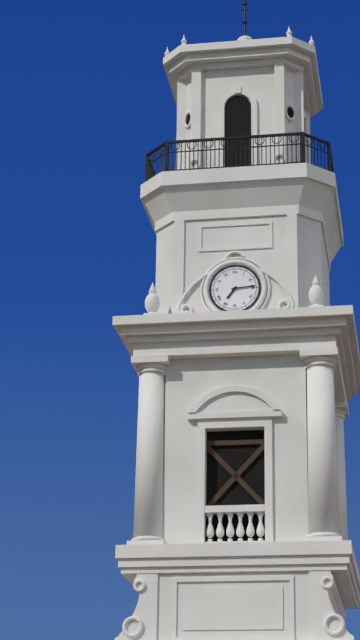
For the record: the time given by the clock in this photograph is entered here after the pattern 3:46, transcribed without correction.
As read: 7:14
